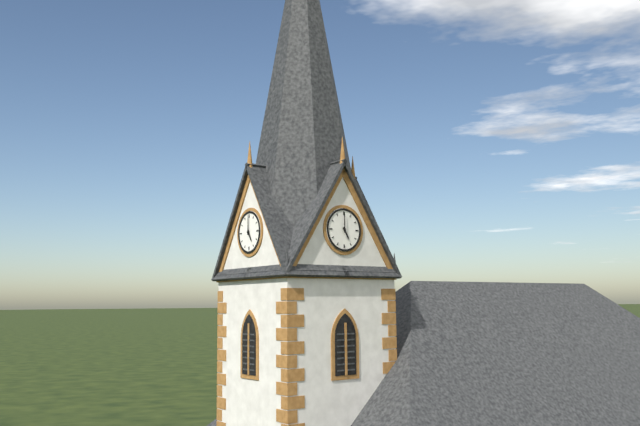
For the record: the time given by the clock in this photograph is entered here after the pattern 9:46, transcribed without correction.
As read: 5:00
